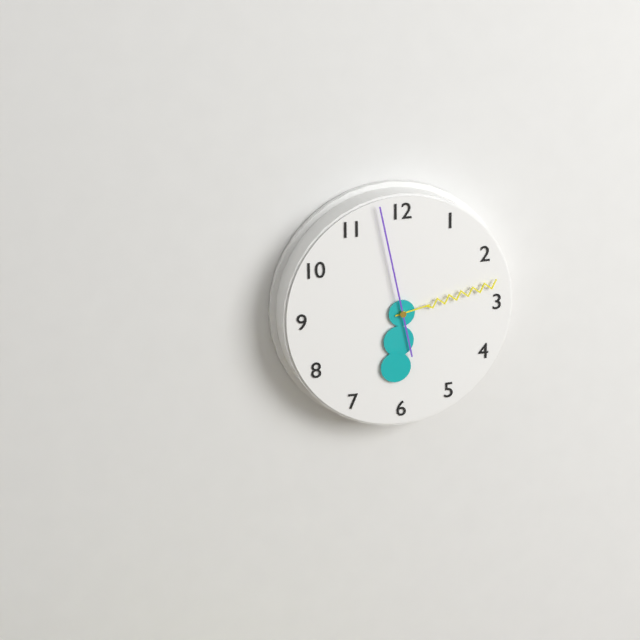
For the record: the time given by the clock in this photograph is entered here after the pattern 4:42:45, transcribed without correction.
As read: 6:13:58
